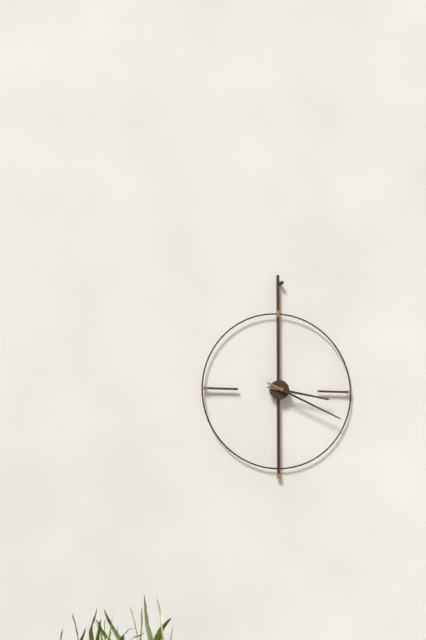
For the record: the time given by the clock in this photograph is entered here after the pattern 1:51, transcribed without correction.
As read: 3:19
